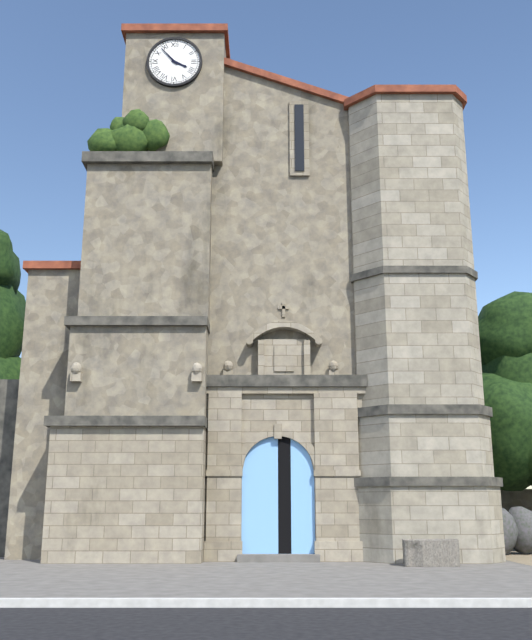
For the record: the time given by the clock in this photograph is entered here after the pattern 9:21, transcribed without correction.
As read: 3:53
